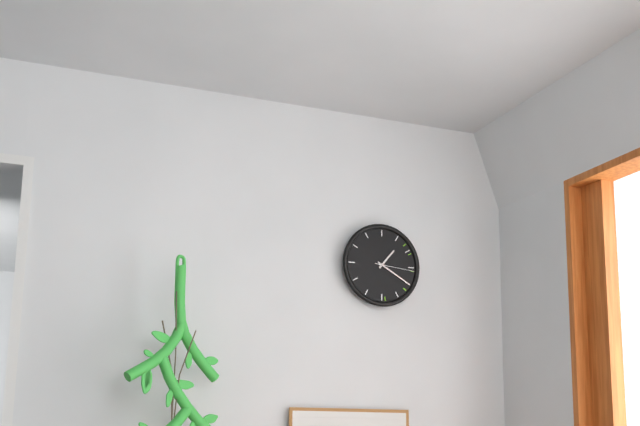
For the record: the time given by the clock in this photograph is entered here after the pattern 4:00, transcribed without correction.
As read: 1:20
